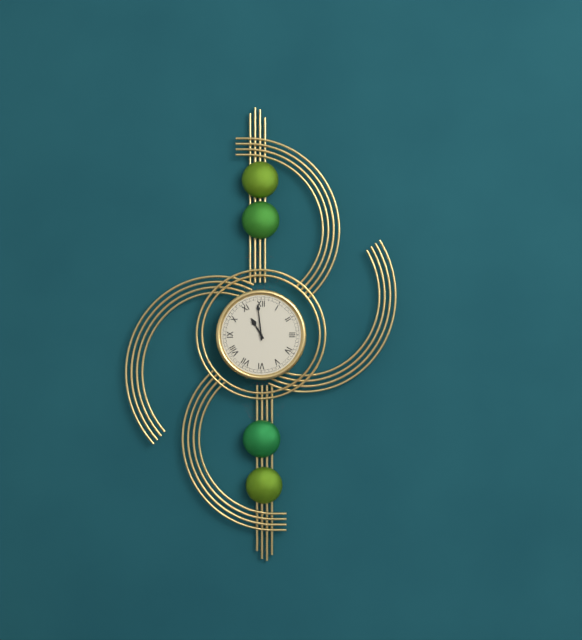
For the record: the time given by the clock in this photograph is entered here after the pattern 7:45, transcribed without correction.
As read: 10:59
